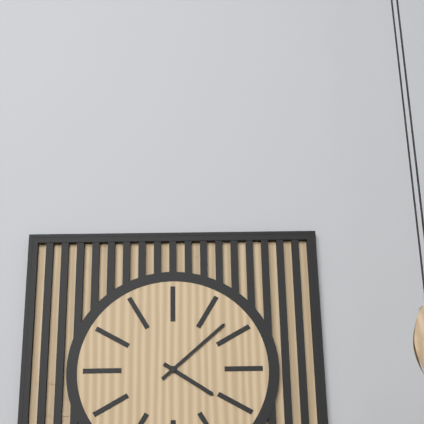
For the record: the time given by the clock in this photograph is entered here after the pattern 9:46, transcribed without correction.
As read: 4:08
